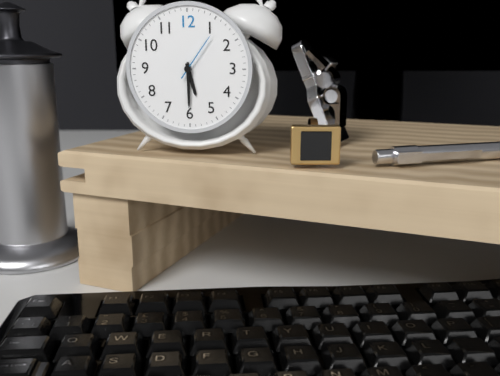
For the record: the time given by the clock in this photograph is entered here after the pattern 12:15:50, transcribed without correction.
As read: 5:30:06
